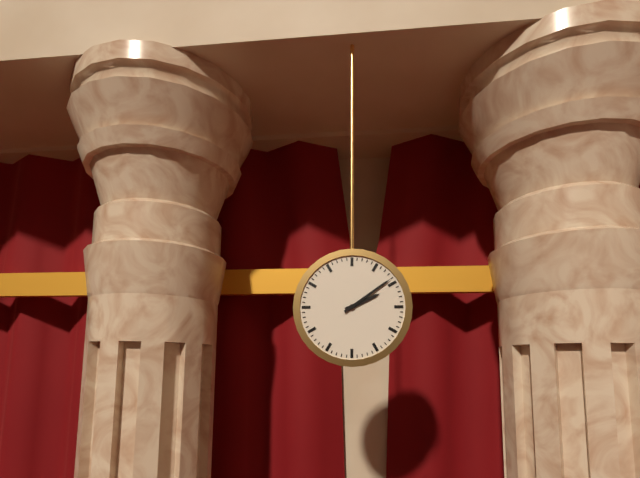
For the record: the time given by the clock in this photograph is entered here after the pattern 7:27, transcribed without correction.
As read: 2:09
